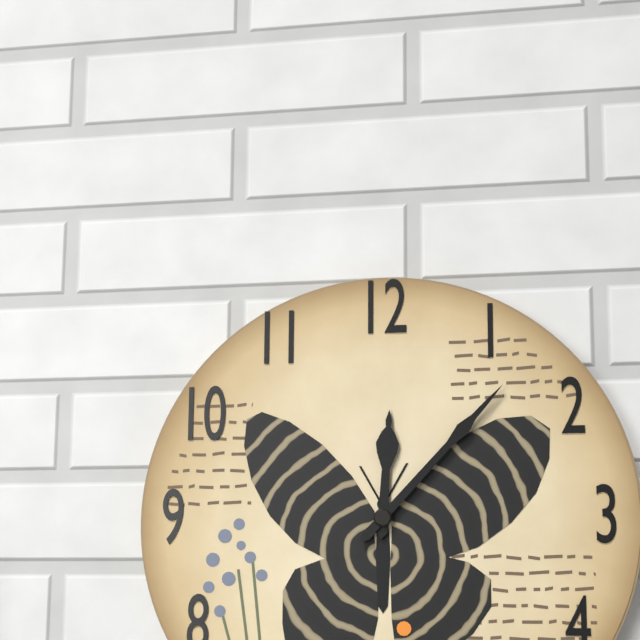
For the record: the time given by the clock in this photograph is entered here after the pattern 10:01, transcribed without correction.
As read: 12:07
